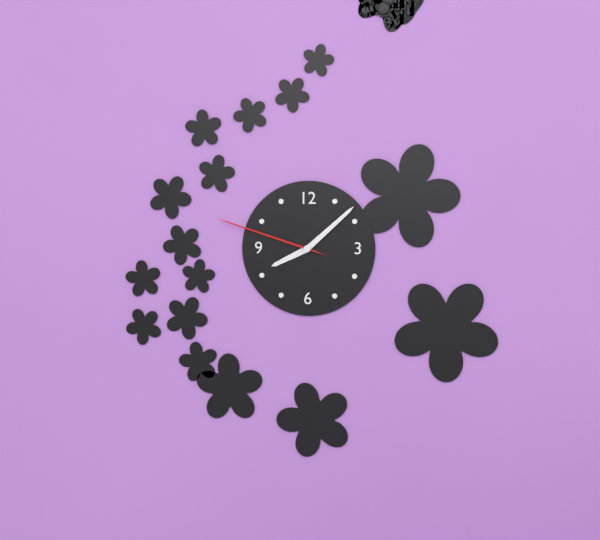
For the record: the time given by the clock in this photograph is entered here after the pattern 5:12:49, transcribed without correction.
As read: 8:08:48
